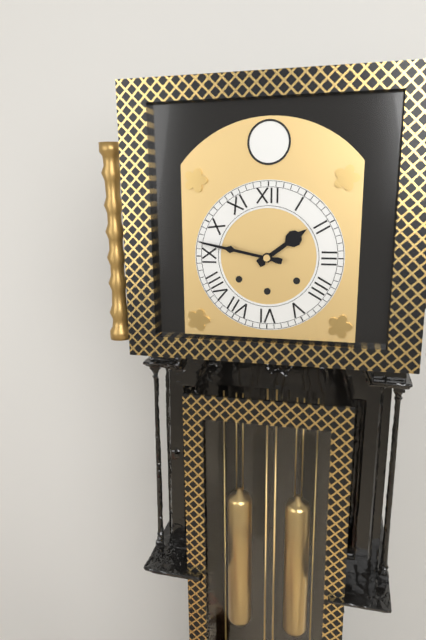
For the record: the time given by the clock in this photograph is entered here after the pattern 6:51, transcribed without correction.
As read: 1:47
